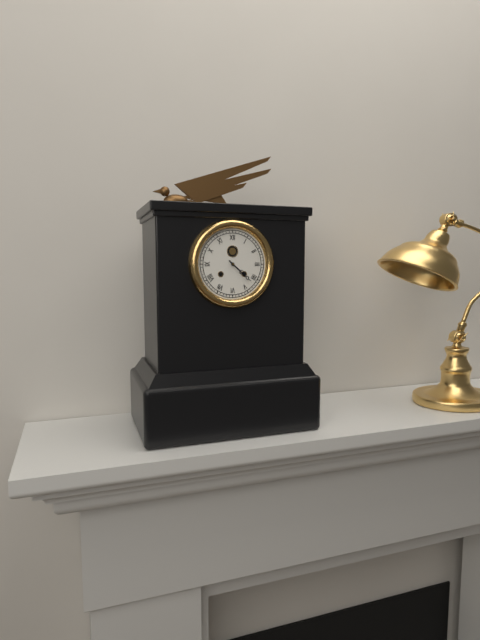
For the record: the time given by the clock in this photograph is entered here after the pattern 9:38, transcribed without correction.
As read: 4:22
